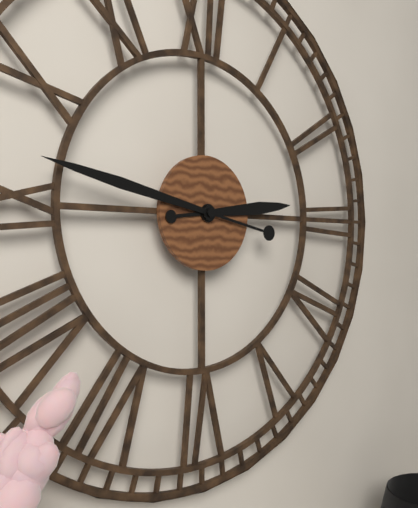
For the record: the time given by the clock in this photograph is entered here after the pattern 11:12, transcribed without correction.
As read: 2:47
